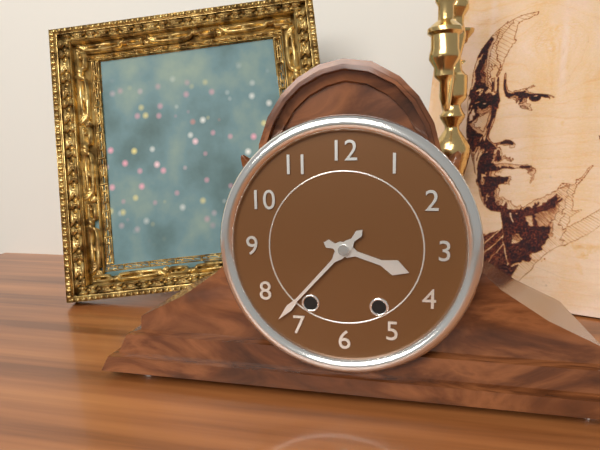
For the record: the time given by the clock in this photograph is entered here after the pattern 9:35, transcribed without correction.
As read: 3:37
